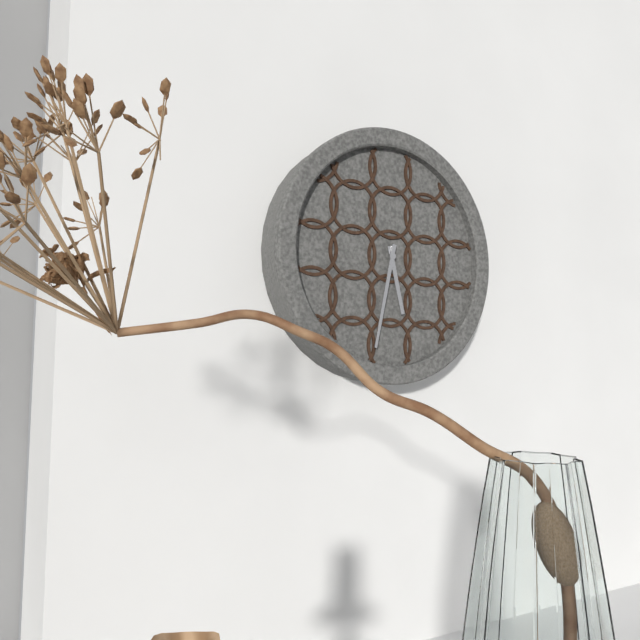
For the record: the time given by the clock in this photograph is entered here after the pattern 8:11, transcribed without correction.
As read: 5:32
